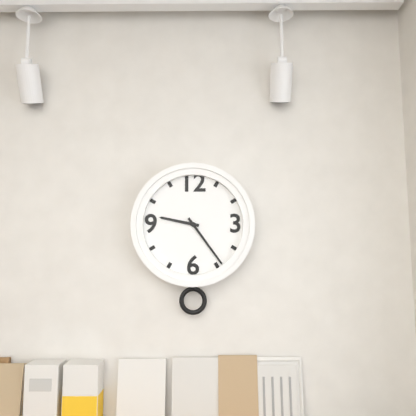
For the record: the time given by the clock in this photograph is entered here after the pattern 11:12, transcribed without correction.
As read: 9:24
